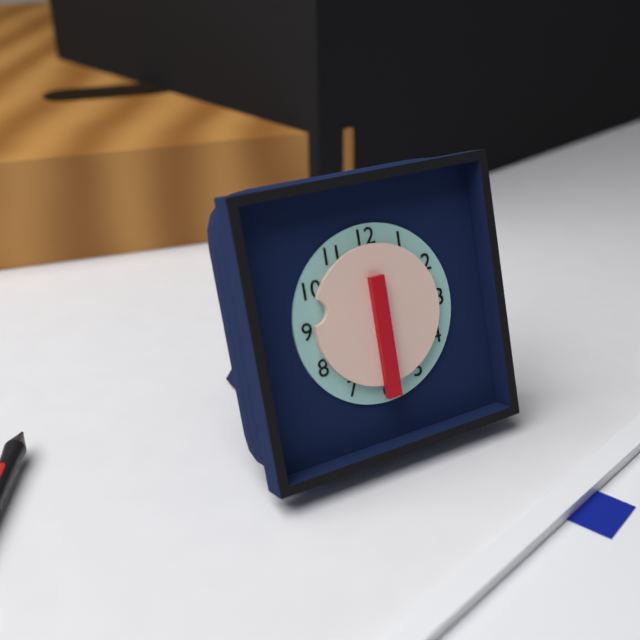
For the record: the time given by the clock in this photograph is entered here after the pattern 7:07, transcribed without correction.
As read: 9:30
